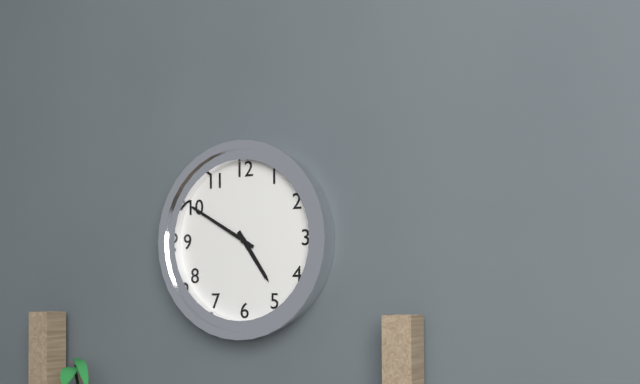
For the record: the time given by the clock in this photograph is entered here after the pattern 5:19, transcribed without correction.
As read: 4:50
